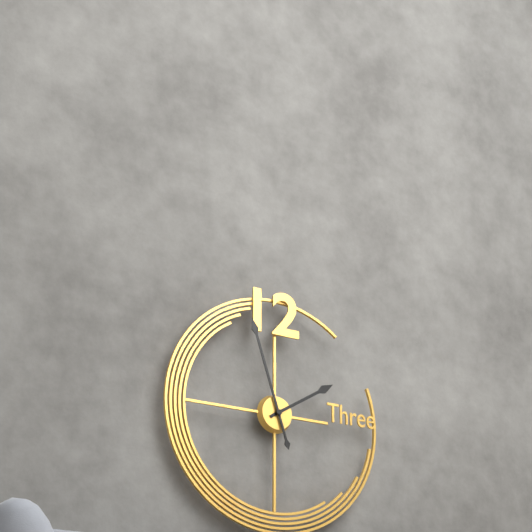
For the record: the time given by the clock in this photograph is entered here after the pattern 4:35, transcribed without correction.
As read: 1:57
